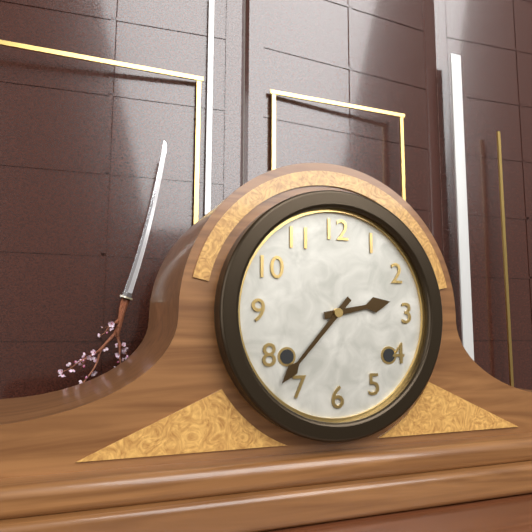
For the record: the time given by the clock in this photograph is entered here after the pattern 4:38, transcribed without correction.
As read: 2:37
